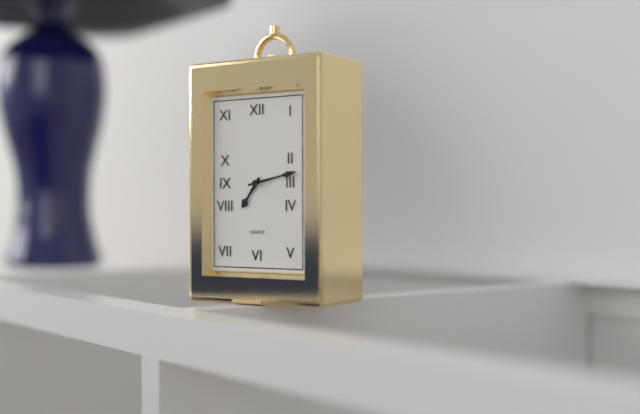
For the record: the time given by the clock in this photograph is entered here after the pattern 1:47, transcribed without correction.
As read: 7:13
